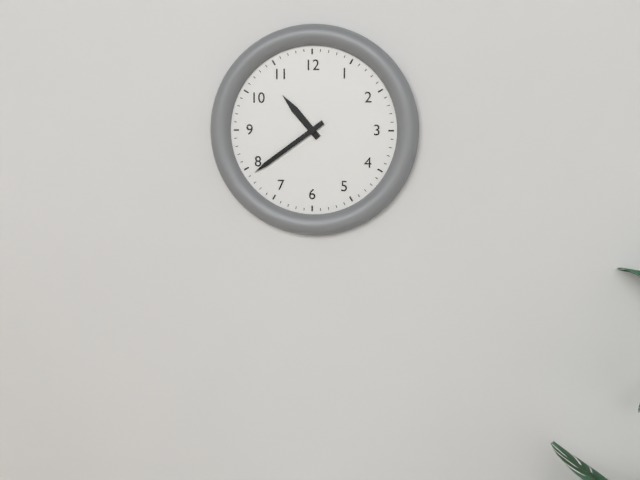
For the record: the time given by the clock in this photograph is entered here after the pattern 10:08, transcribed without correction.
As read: 10:39
